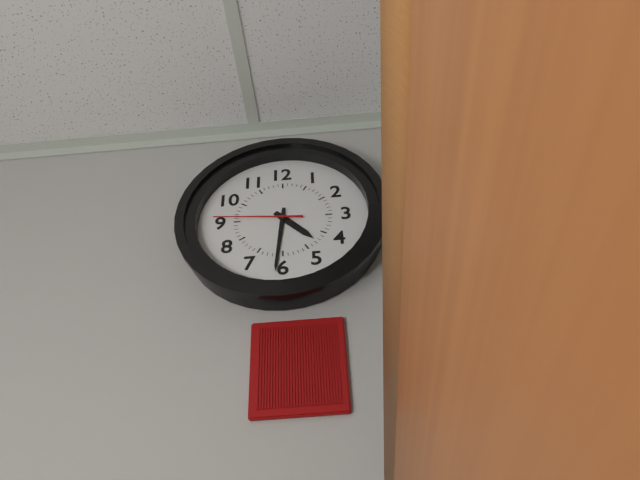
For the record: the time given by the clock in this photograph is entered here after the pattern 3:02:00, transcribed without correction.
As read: 4:31:46
